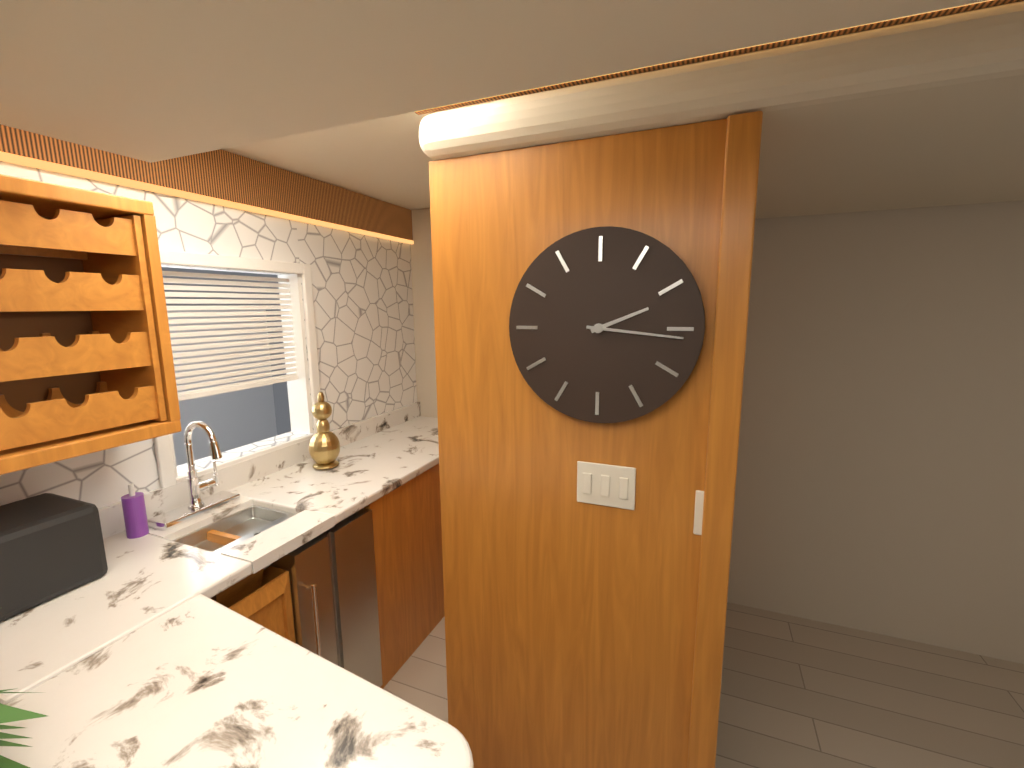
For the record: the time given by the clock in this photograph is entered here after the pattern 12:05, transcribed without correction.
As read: 2:16
